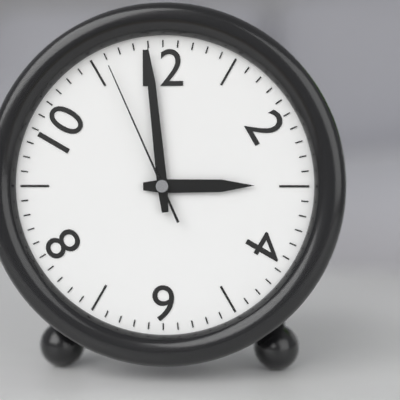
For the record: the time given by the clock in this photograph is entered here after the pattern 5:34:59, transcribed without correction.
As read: 2:59:56
